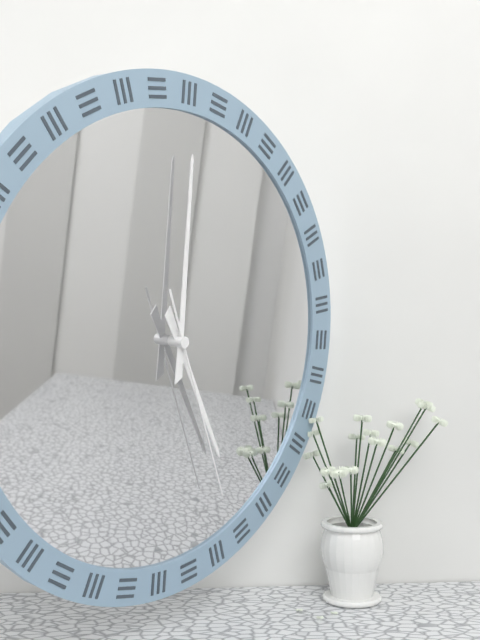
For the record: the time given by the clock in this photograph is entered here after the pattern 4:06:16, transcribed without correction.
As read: 5:00:26
